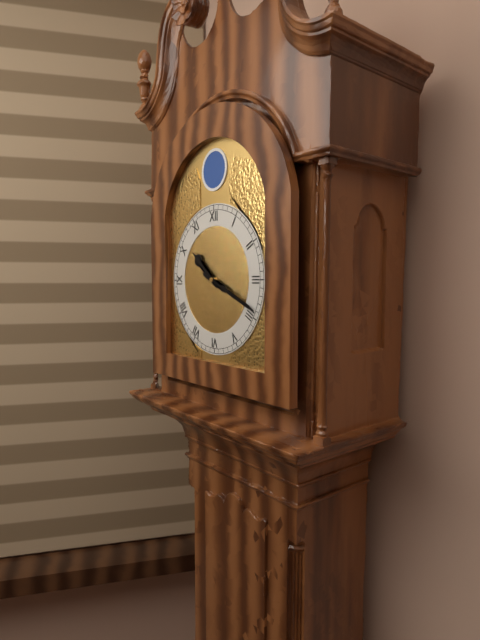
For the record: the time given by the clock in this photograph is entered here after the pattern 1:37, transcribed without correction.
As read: 10:19
